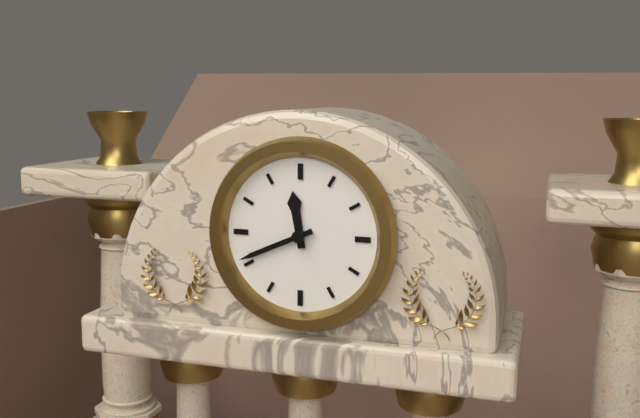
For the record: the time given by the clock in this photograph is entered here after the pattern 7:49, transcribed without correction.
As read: 11:41
